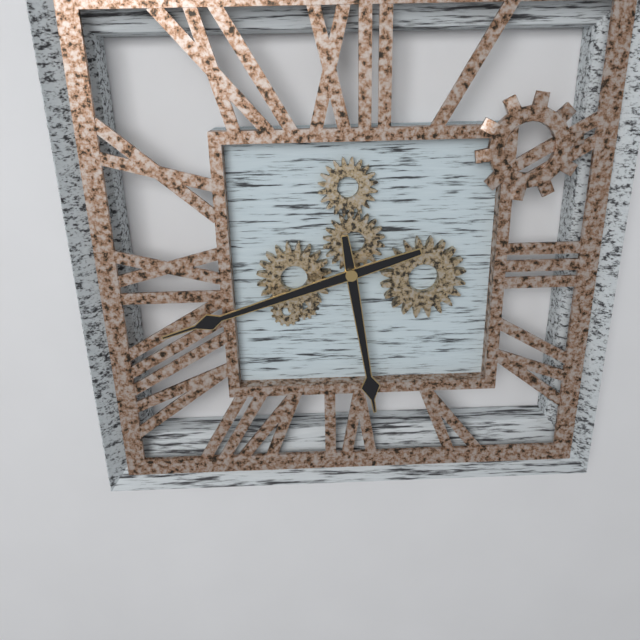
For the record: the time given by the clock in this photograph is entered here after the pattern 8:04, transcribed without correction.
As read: 5:42
